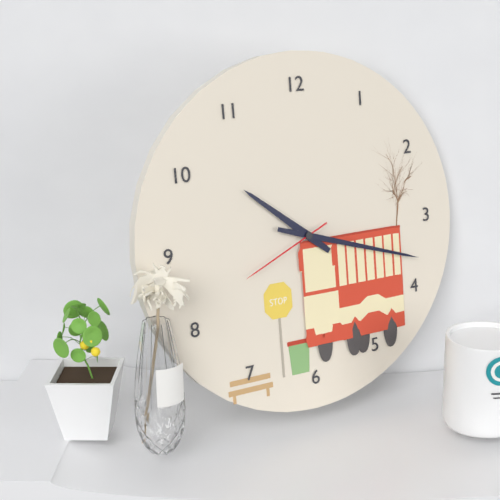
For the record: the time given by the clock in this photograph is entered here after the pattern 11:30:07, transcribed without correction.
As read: 10:18:41
